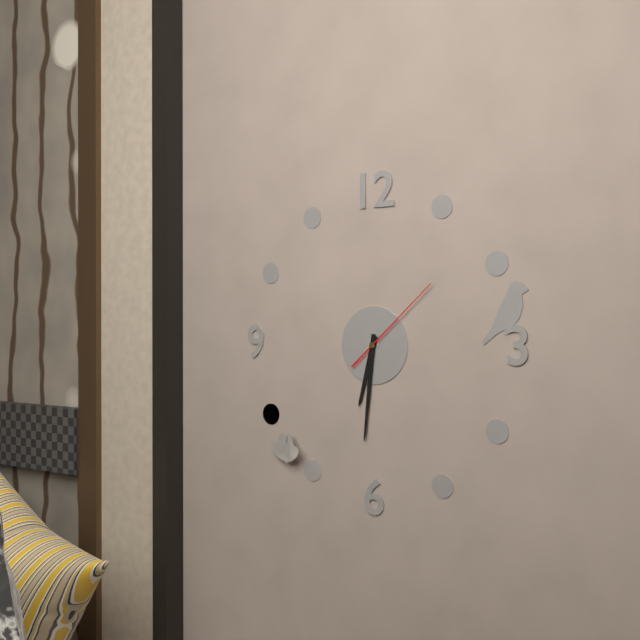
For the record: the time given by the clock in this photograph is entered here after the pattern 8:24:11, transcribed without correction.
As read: 6:31:08
